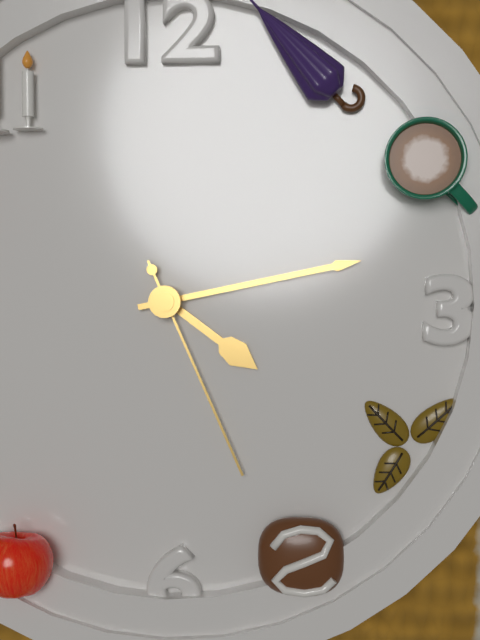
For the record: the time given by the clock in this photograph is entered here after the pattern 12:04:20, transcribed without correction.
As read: 4:13:26
